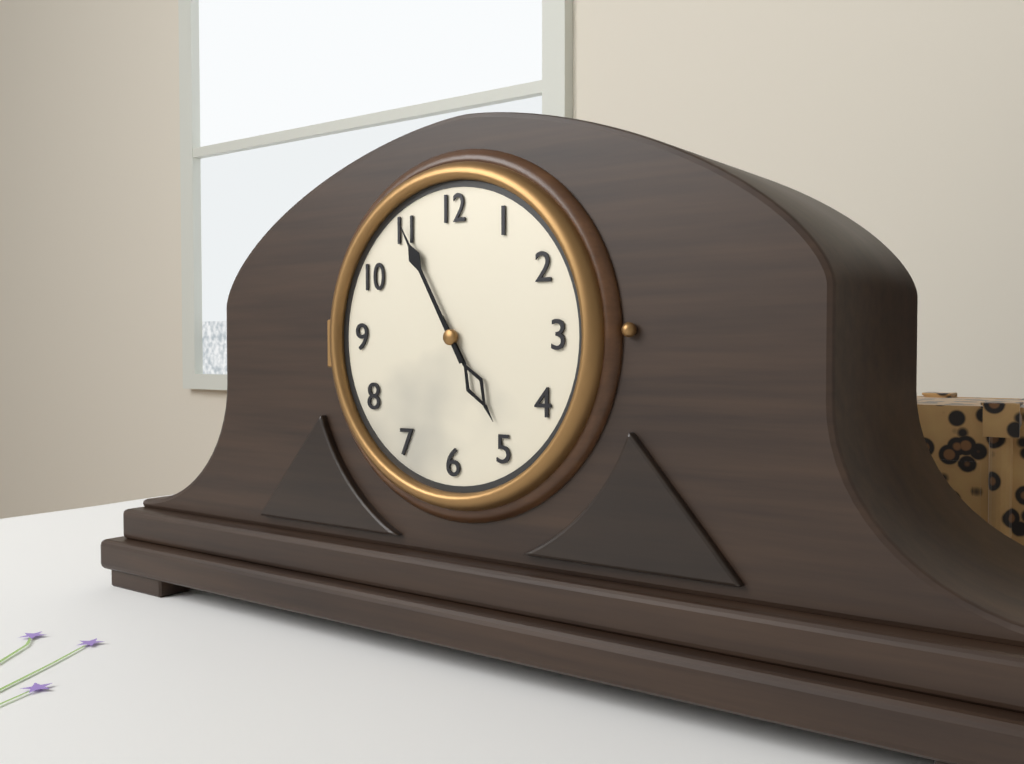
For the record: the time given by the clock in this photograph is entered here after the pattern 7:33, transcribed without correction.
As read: 4:55
